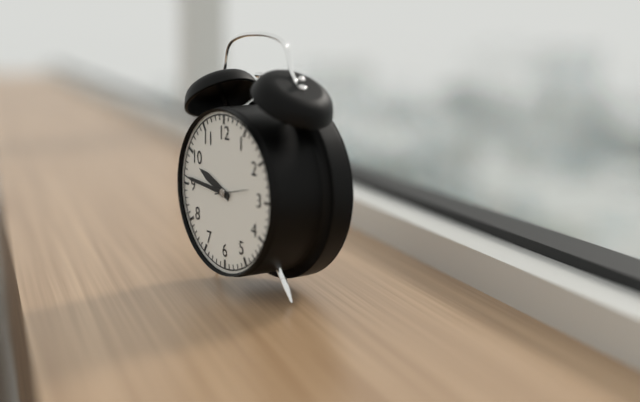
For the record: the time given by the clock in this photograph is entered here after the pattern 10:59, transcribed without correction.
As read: 9:46
